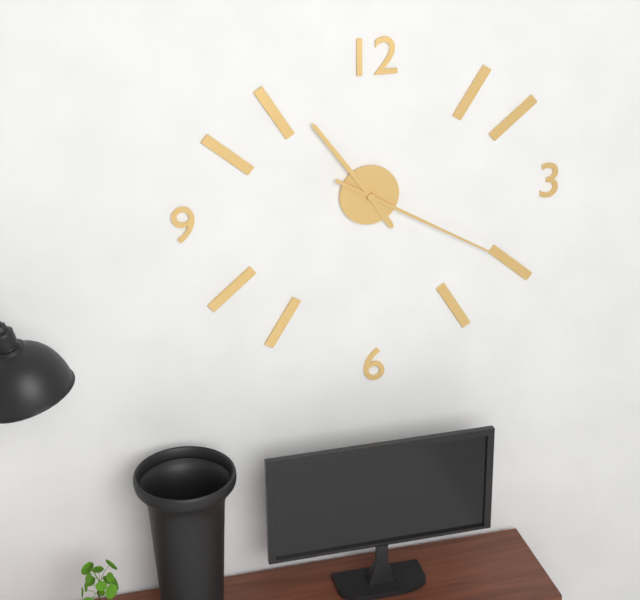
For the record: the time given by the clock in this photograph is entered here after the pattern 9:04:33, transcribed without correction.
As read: 4:54:20
